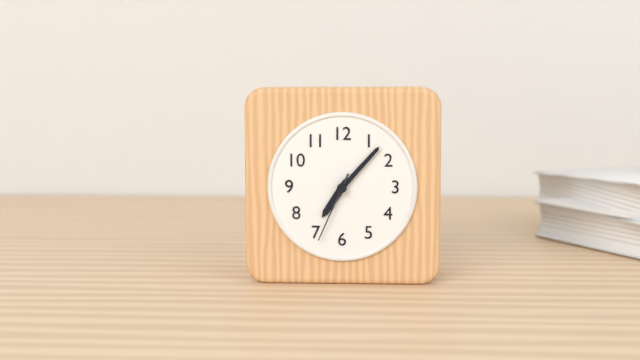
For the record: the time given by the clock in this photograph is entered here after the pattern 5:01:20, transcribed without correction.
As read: 7:07:34
